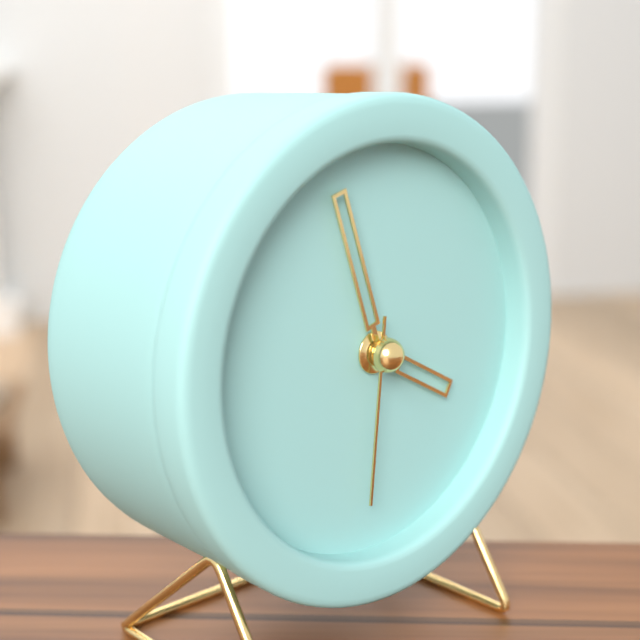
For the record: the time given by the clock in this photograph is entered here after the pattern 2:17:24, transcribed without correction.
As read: 3:57:31
